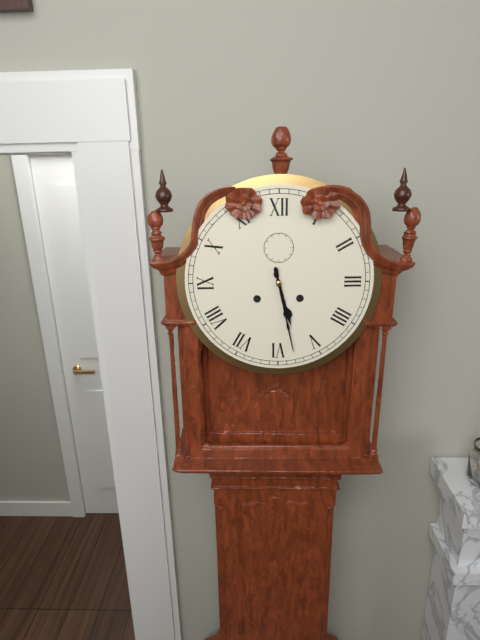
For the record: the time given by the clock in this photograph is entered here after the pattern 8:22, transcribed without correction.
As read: 5:28
